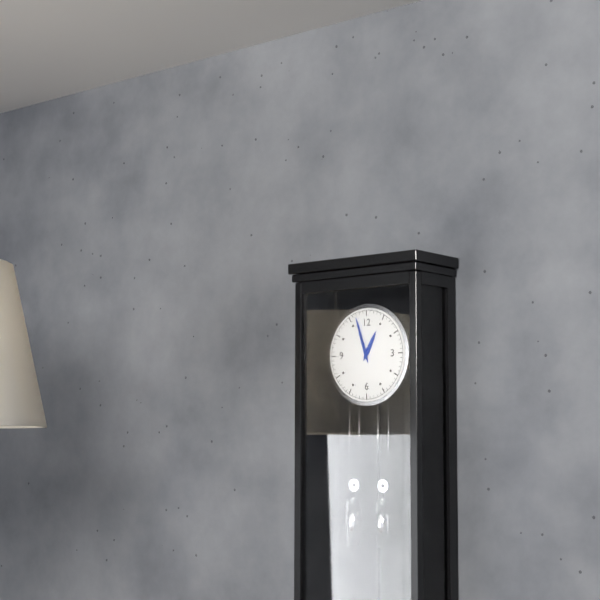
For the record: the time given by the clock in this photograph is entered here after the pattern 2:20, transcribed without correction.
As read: 12:57
